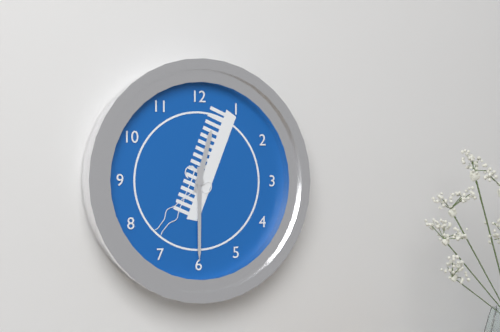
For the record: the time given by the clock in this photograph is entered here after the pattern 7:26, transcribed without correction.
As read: 12:30
